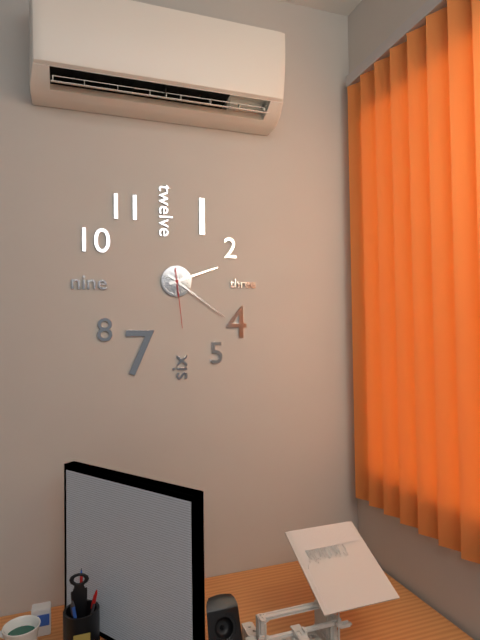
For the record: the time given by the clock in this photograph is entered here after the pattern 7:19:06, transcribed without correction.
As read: 2:21:29
